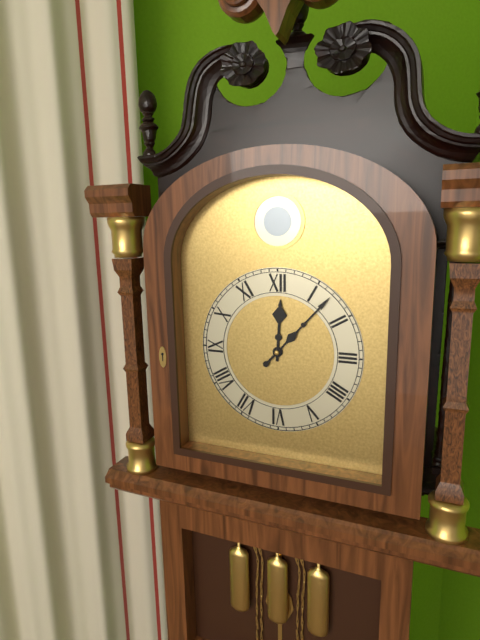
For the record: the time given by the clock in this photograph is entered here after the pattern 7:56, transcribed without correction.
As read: 12:07
